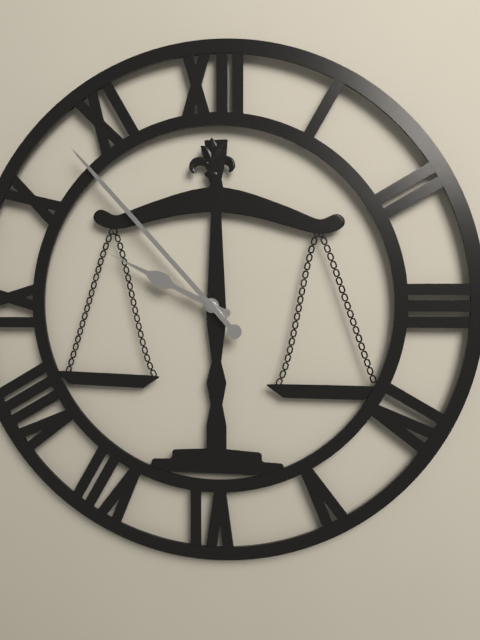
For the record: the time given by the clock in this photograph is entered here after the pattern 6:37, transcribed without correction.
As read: 9:53
